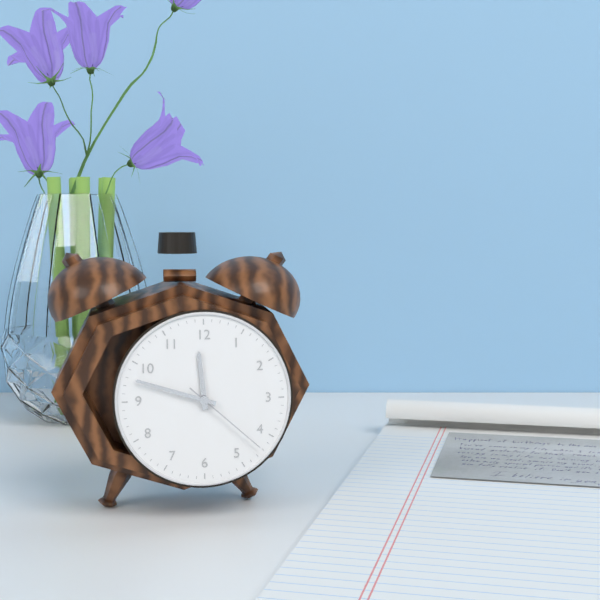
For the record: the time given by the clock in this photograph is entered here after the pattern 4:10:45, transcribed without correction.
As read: 11:48:22
